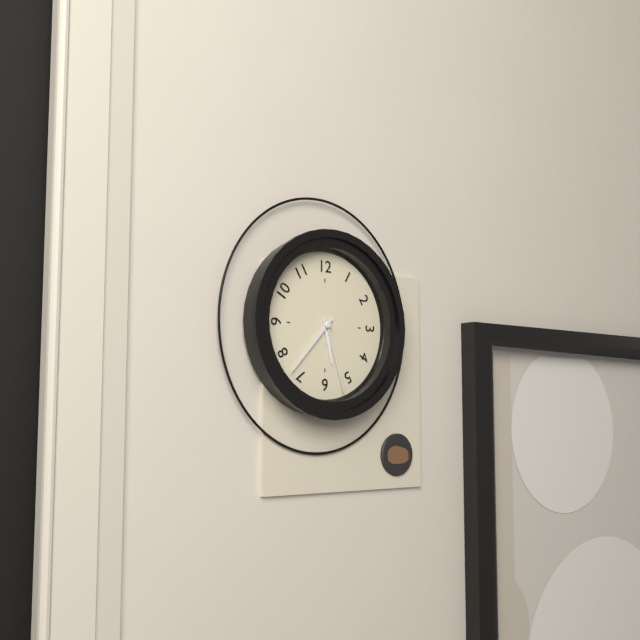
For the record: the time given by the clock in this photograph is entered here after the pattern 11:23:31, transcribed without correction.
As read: 5:37:27
